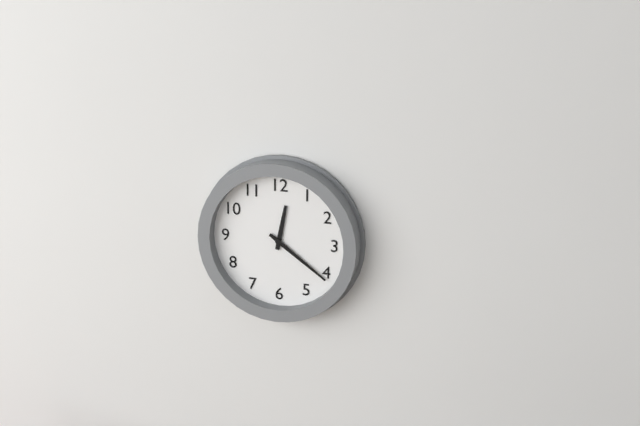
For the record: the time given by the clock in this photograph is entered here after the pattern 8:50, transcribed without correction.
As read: 12:21
